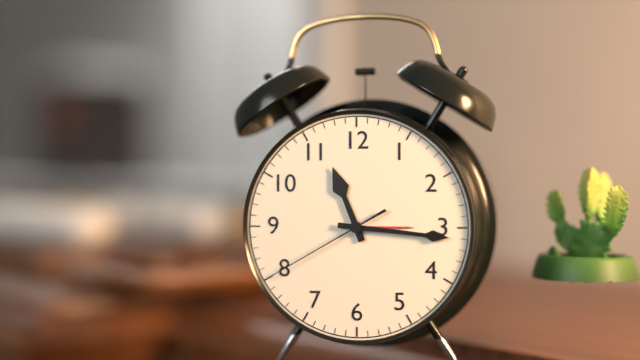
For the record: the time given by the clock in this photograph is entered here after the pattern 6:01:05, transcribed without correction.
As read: 11:16:40
